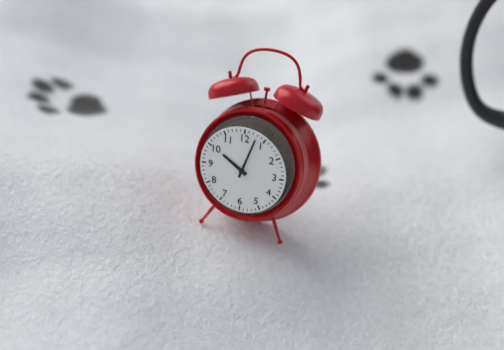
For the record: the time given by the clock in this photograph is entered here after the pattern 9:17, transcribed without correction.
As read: 10:03
